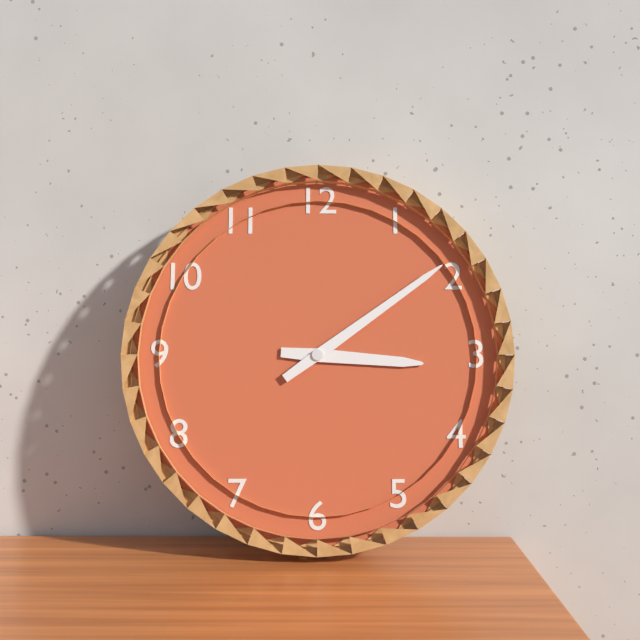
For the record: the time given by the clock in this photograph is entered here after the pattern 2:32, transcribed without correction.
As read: 3:09
